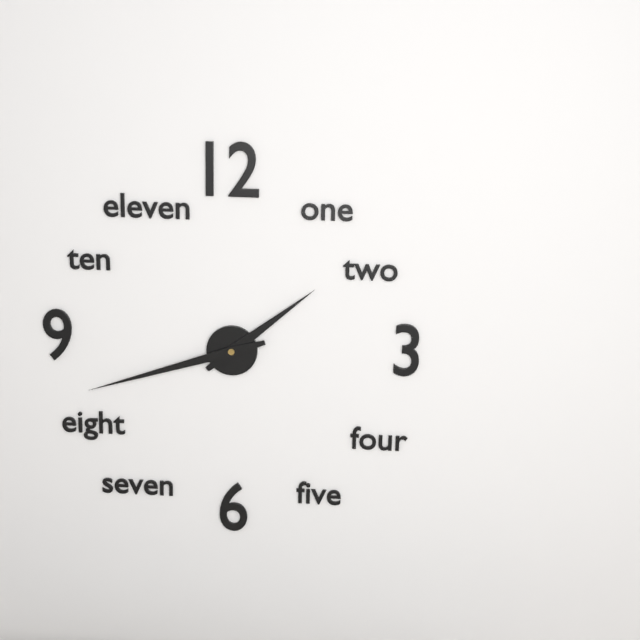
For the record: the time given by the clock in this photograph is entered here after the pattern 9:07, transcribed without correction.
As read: 1:42
